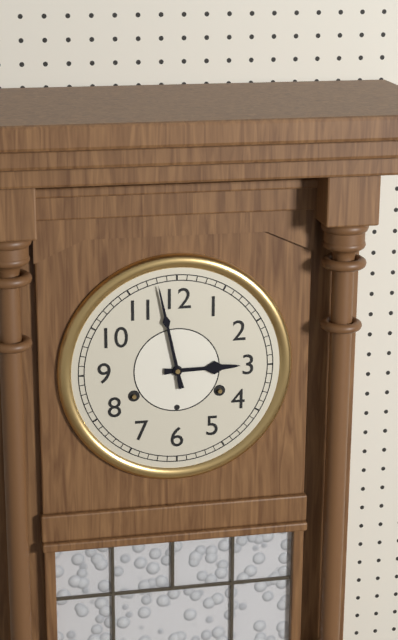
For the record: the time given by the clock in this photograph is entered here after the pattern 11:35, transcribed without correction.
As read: 2:58
